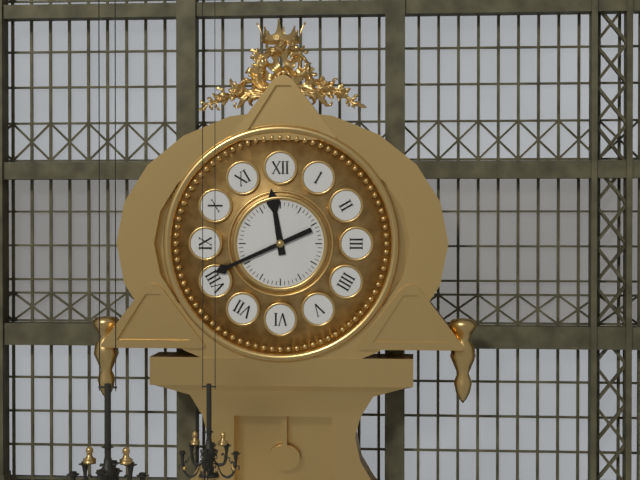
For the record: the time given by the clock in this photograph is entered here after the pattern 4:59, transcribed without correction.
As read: 11:41
